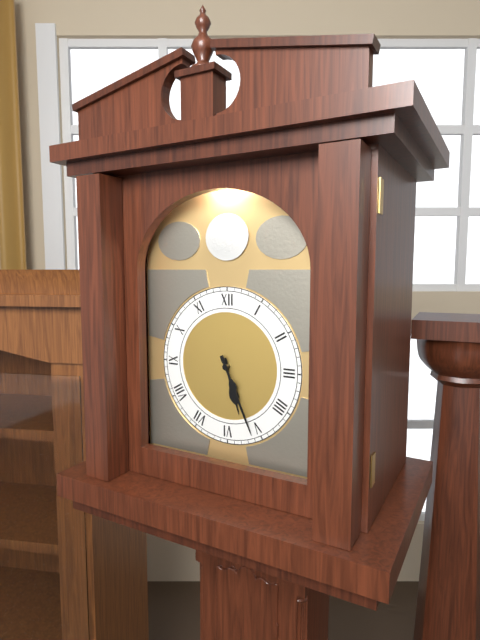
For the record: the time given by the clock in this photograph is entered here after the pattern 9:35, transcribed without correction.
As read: 5:26
